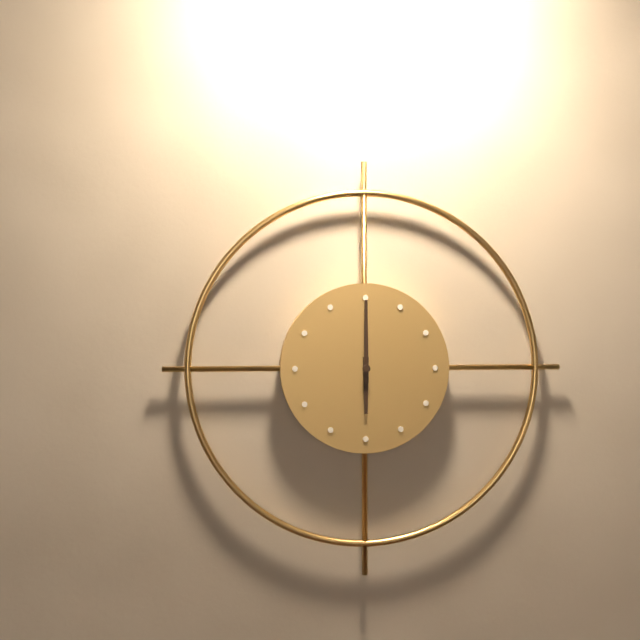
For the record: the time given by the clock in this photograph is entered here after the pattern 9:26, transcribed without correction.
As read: 6:00
